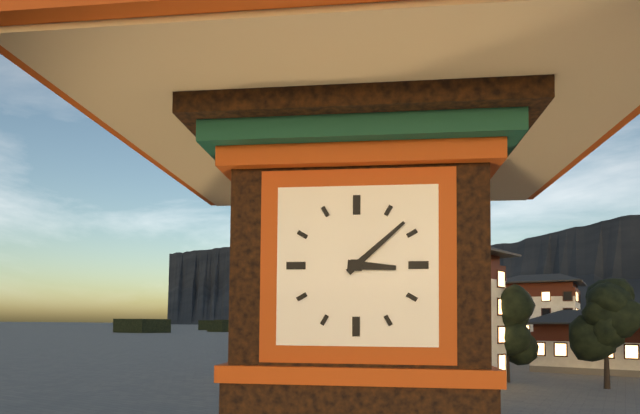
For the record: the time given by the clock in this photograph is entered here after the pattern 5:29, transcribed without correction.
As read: 3:08
